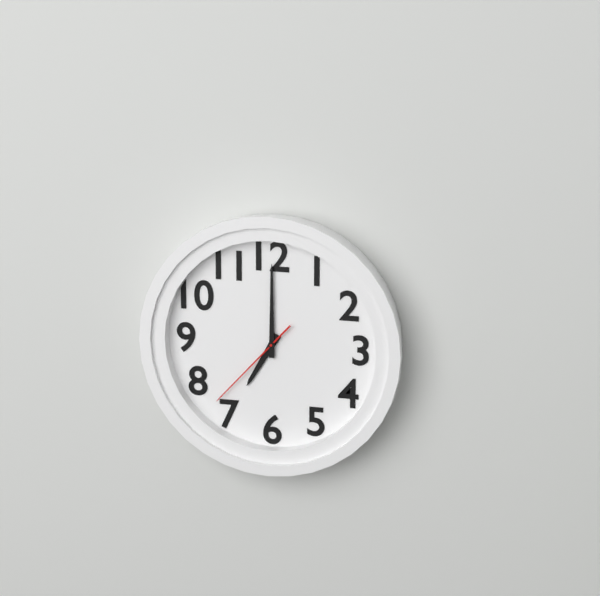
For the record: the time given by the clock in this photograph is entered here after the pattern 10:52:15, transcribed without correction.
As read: 7:00:37
